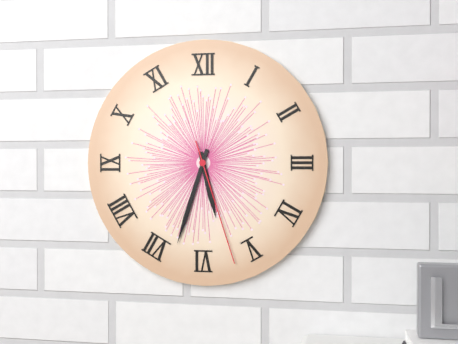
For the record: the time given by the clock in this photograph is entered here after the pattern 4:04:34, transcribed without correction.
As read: 5:33:27
